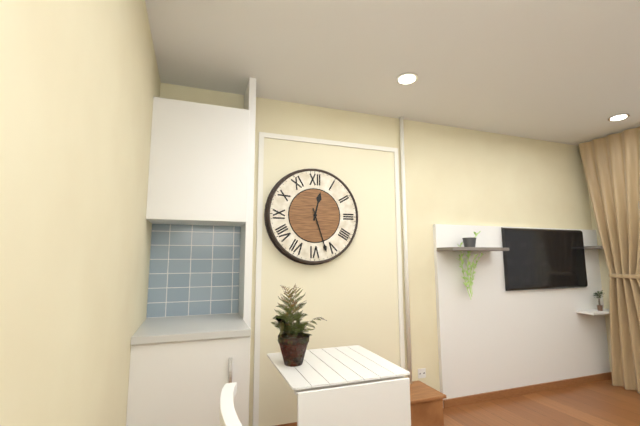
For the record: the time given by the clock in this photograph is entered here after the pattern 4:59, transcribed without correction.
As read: 12:27
